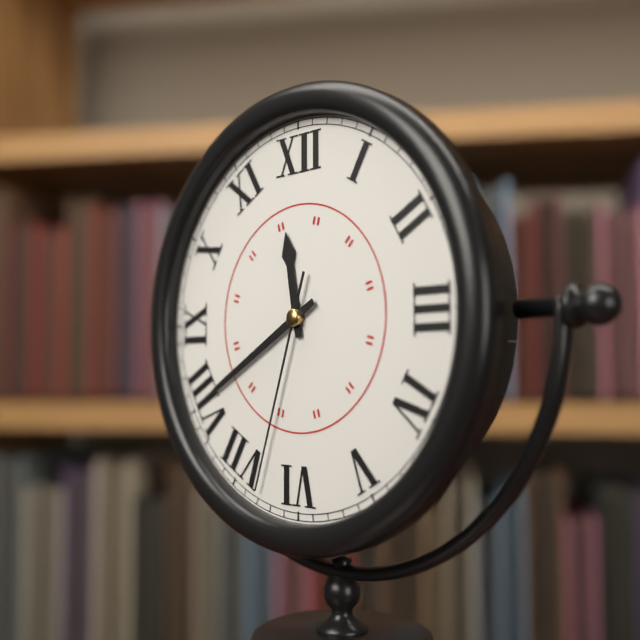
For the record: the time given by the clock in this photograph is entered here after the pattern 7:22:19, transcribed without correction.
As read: 11:40:33
